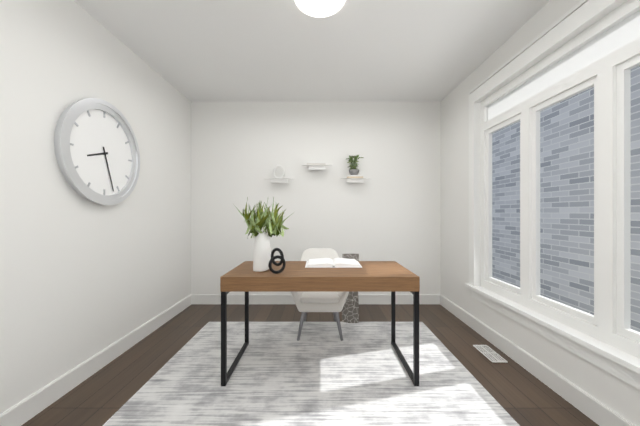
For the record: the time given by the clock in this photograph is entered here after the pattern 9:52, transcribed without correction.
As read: 8:27
